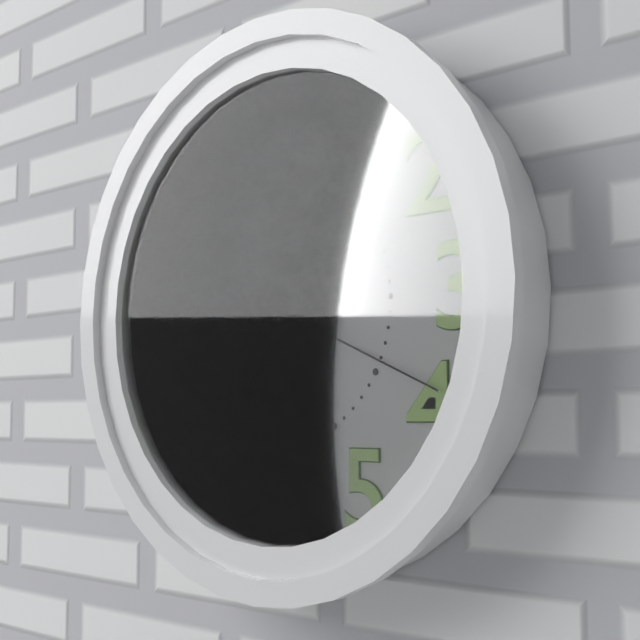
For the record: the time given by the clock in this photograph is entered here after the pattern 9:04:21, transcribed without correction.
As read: 12:51:19
